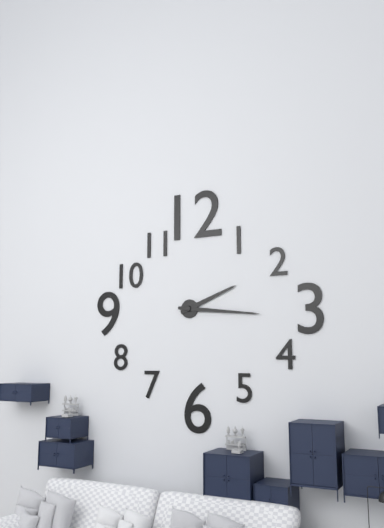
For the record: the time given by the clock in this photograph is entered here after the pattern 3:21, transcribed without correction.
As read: 2:16
